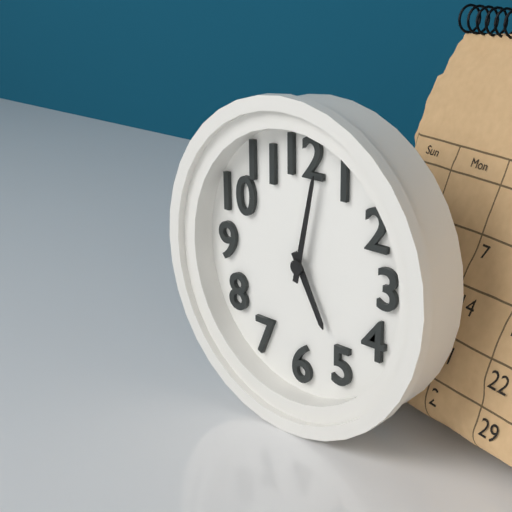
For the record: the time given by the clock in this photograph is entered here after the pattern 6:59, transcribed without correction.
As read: 5:02
